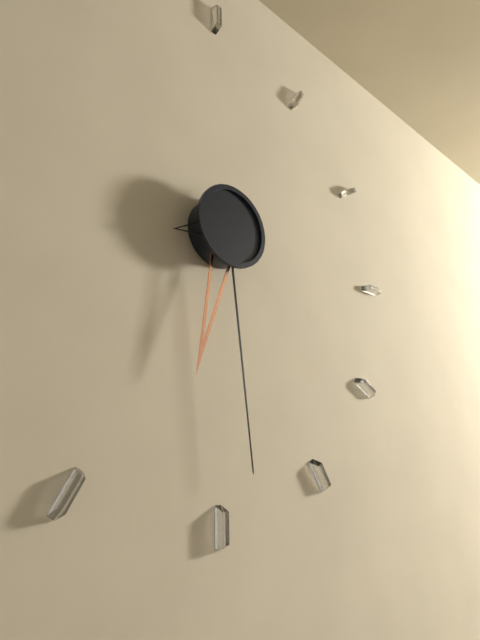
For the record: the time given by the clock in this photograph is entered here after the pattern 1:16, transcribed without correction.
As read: 6:29
